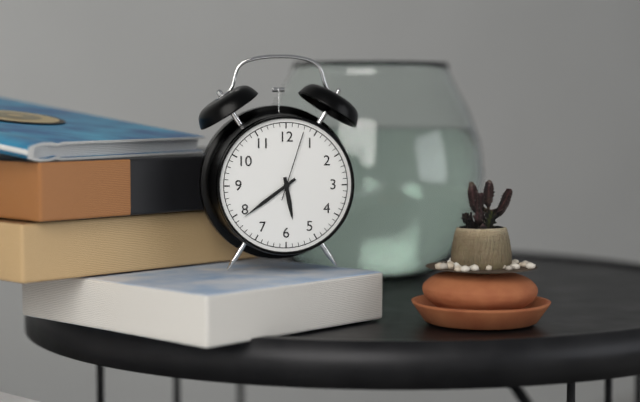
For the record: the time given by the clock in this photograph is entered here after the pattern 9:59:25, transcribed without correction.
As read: 5:39:03
